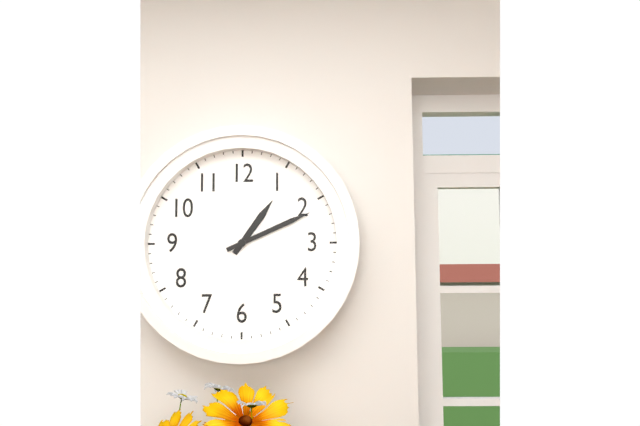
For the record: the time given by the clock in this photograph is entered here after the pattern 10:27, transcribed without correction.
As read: 1:11
